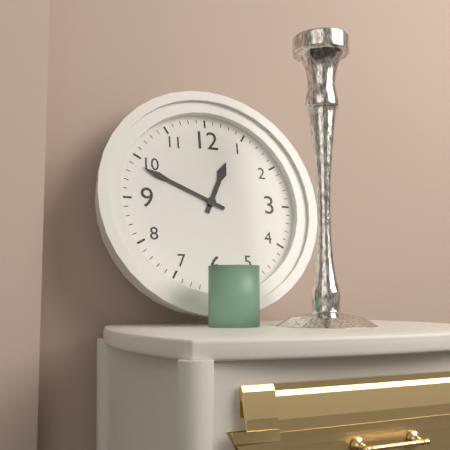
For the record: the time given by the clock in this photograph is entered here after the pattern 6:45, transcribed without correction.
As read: 12:49
